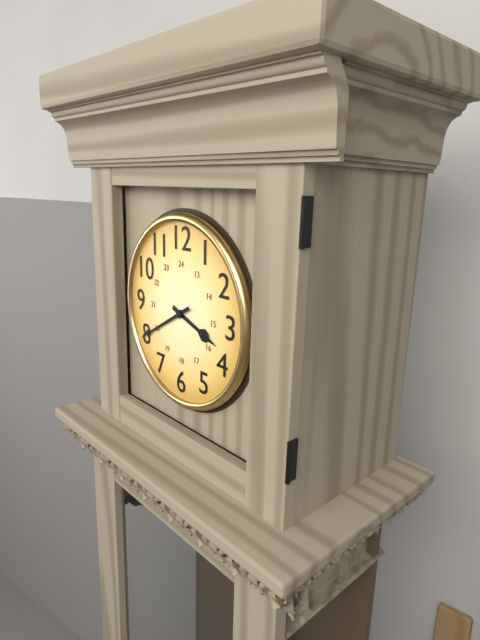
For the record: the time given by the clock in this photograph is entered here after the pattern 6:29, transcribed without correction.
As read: 3:40
